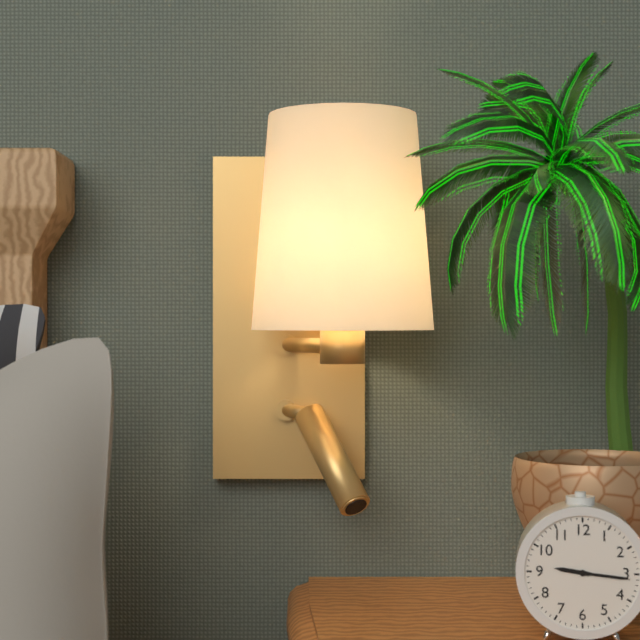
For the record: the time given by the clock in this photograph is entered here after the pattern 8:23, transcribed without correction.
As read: 9:16
